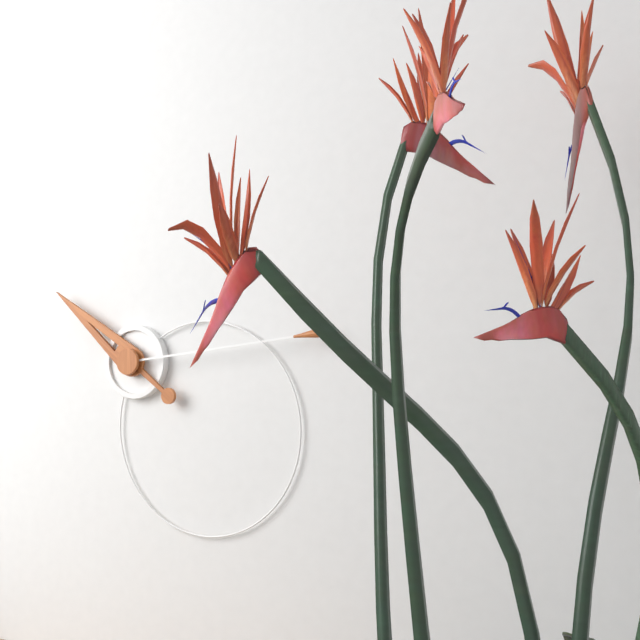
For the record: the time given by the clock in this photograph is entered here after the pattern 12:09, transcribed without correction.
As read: 10:14
